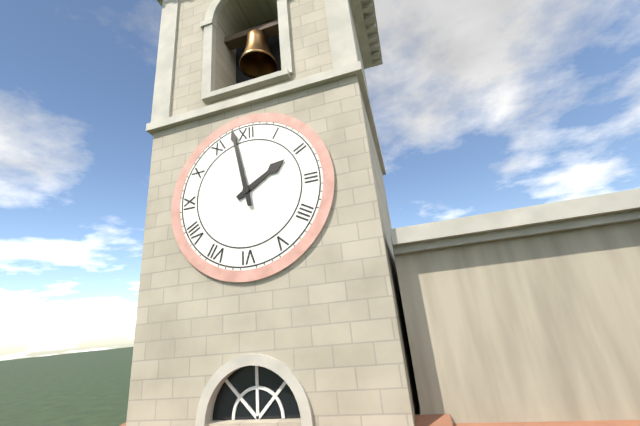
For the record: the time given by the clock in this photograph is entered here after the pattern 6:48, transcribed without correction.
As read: 1:58
